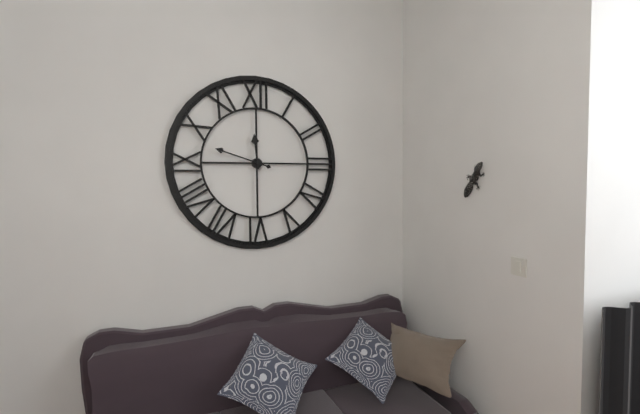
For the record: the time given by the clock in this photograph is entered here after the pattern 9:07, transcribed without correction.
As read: 11:48
